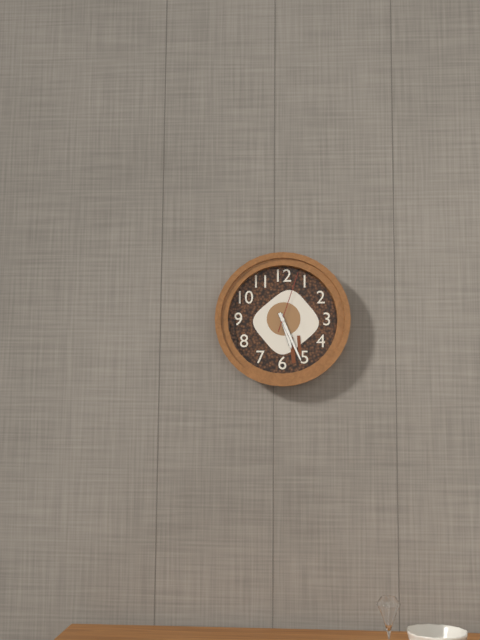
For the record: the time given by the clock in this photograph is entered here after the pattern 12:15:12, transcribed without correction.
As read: 5:26:03
